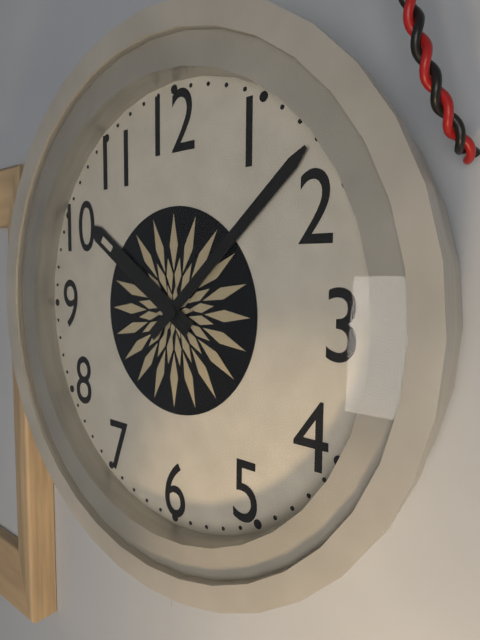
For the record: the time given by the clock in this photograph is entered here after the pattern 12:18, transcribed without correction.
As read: 10:08
